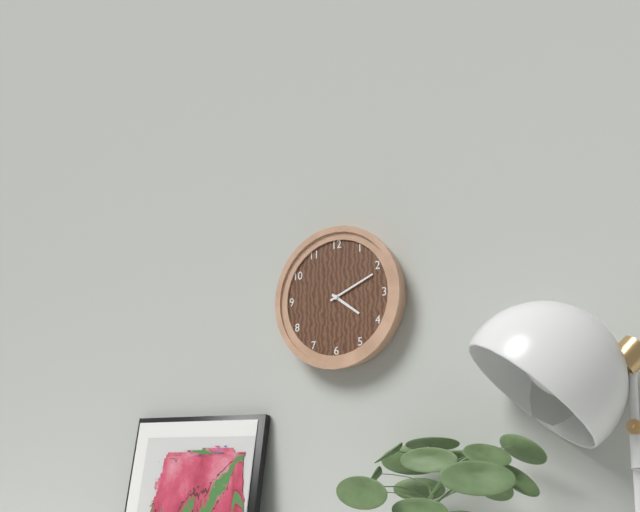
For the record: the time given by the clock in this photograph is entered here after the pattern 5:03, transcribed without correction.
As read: 4:11
